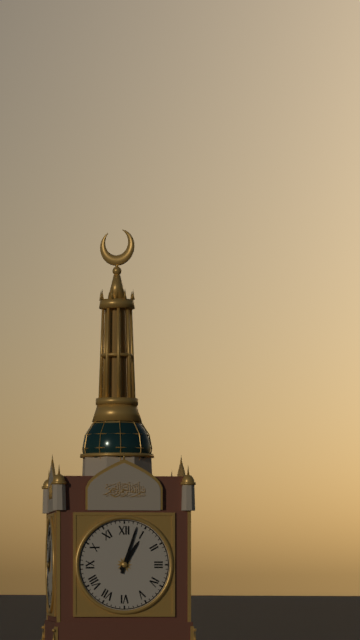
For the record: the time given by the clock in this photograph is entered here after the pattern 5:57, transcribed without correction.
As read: 1:03
